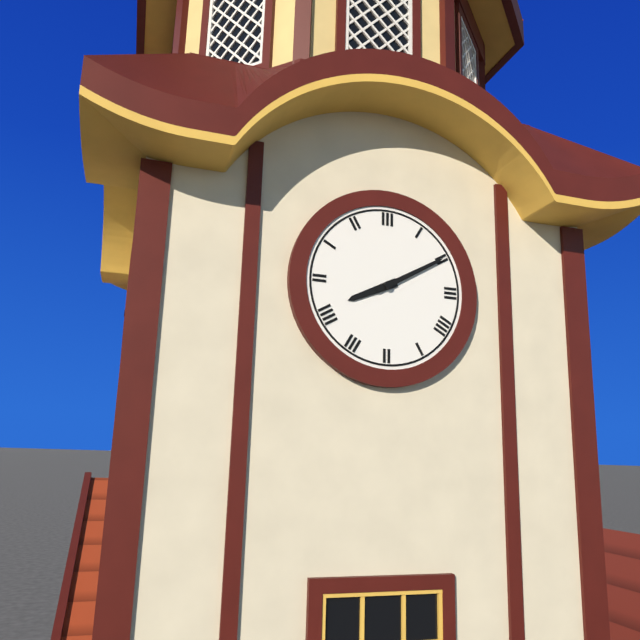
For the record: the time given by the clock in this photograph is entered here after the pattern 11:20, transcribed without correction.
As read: 8:10
